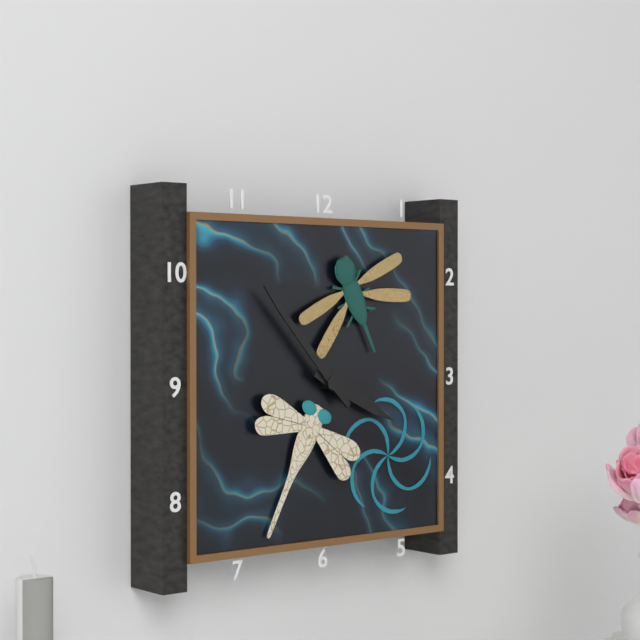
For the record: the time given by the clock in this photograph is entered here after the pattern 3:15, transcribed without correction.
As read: 3:53
